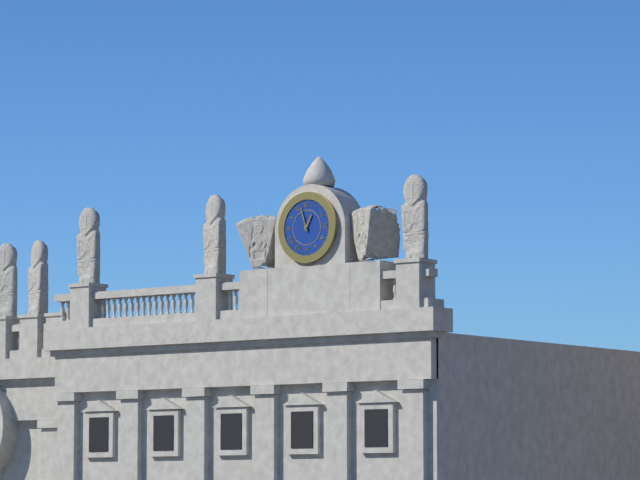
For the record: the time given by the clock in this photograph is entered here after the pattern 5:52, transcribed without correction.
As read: 12:57
